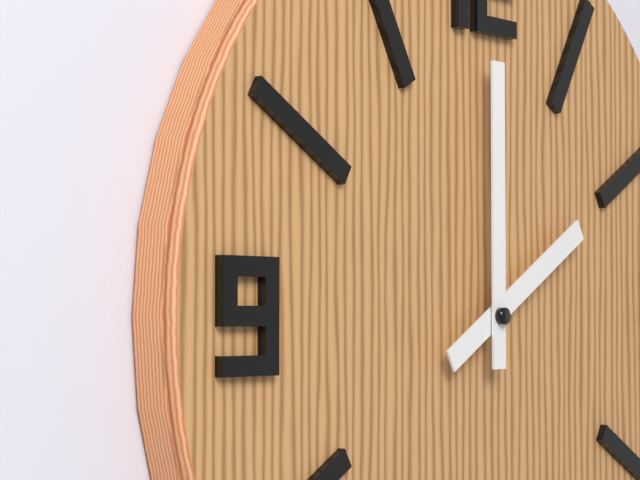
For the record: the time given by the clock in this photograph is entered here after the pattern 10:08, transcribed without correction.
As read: 2:00
